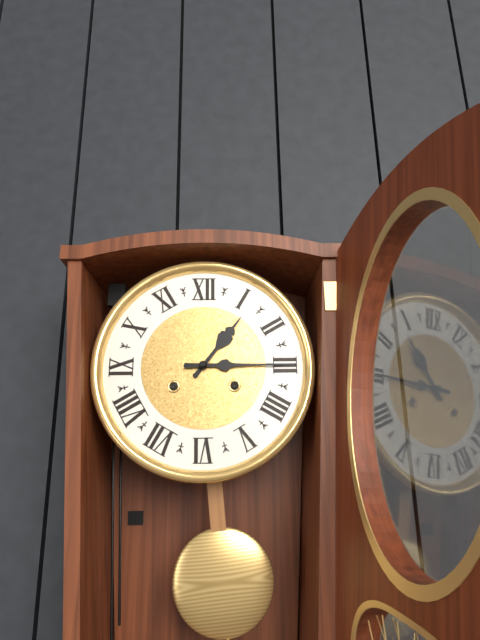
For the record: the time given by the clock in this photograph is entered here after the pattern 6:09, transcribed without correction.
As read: 1:15
